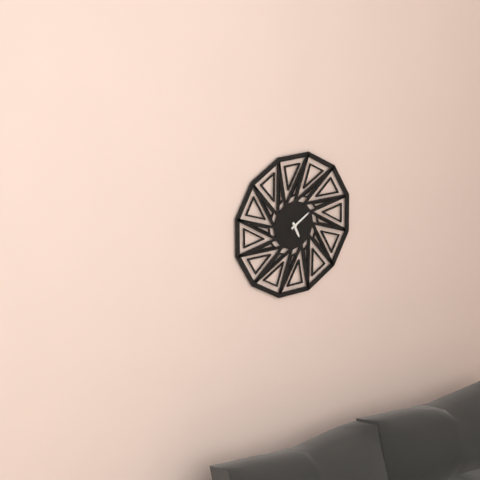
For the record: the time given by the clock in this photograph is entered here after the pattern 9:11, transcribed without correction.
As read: 5:10
